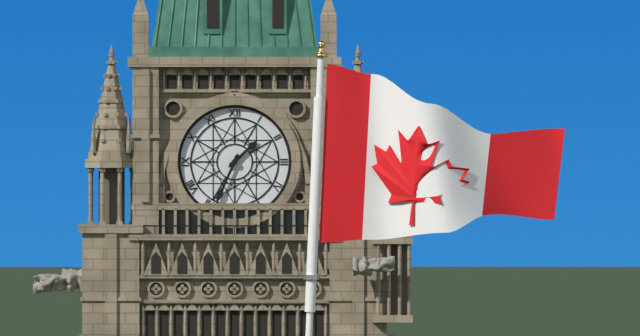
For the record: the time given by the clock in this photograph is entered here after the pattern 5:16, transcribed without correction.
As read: 1:34
